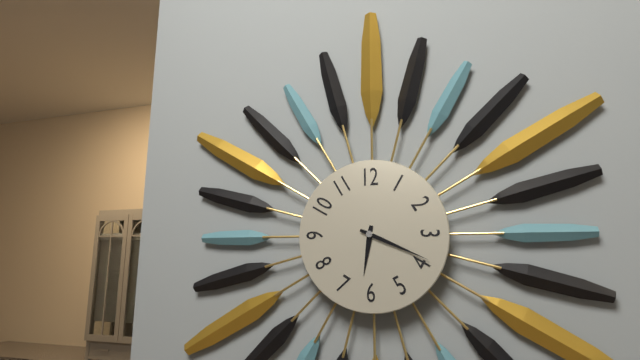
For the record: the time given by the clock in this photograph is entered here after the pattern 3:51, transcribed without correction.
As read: 6:19
